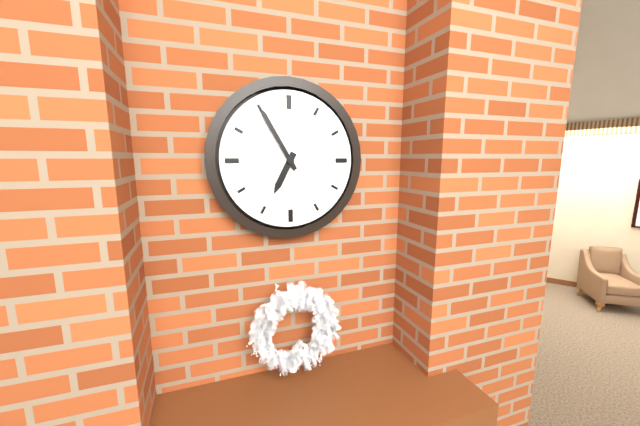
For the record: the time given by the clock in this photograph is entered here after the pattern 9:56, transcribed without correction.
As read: 6:55
